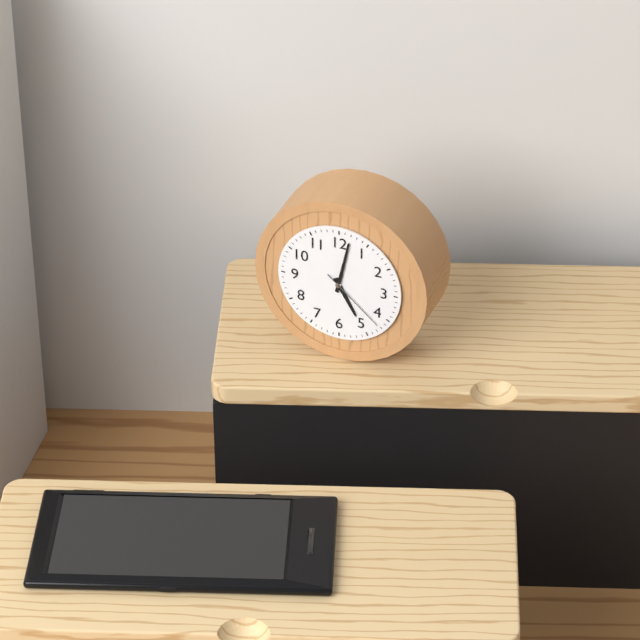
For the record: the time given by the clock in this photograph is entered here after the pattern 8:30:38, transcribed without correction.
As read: 5:02:22
